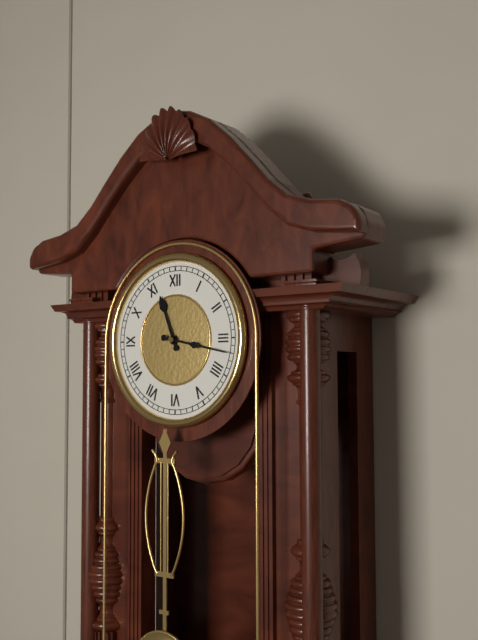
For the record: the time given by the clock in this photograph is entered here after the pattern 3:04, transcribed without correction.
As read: 11:17
